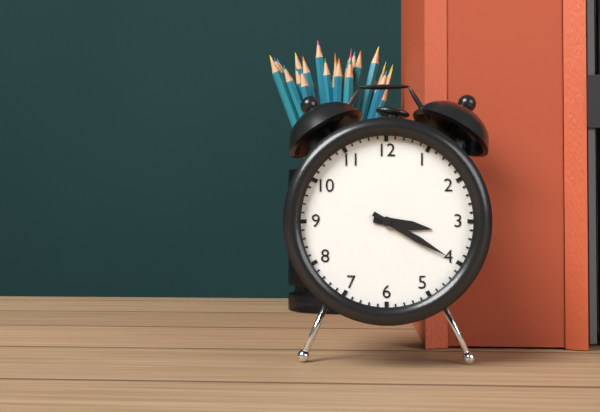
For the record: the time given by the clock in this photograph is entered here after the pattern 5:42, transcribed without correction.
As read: 3:20
